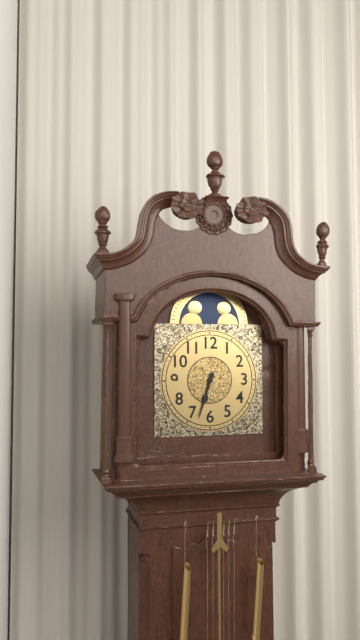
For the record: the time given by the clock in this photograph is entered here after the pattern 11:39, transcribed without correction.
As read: 6:33
